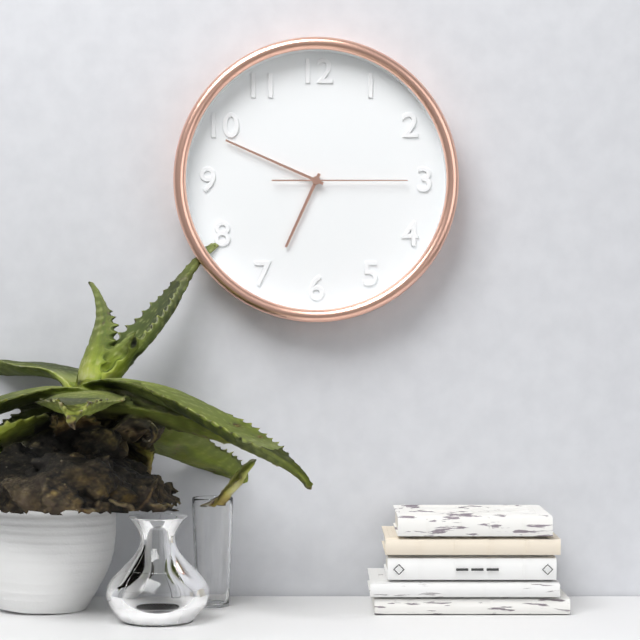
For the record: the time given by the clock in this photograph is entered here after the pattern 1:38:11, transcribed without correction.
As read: 6:49:15
